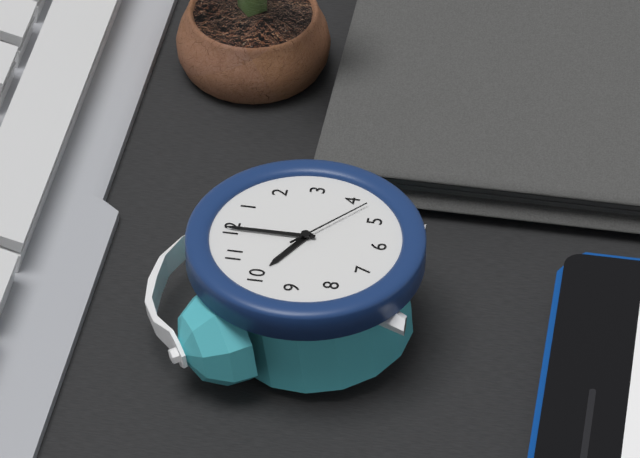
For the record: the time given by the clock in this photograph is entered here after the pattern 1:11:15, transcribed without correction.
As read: 10:00:22
